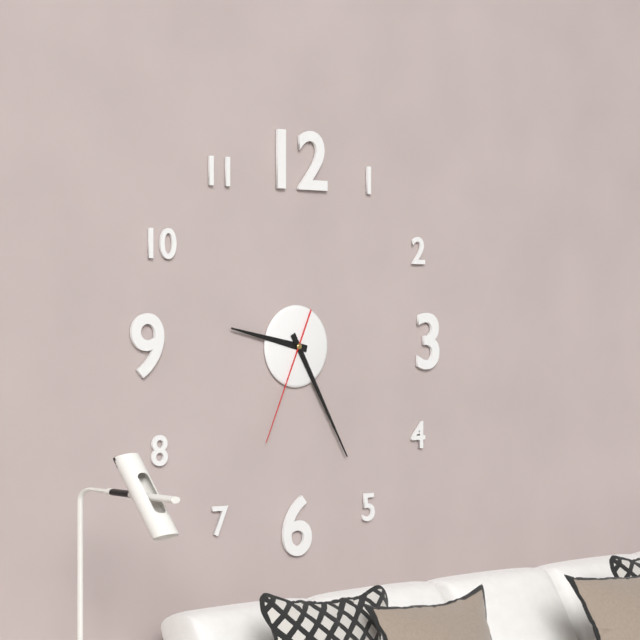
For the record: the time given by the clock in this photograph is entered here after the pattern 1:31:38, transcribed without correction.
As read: 9:25:34
